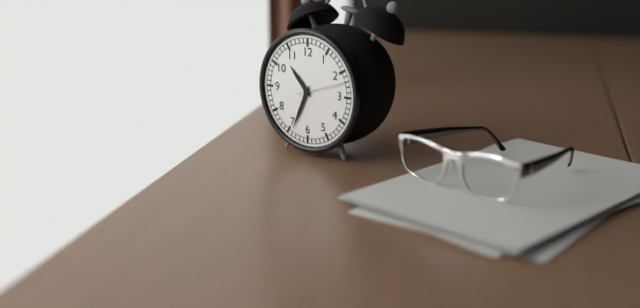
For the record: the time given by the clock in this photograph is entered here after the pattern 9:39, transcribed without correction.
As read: 10:34
